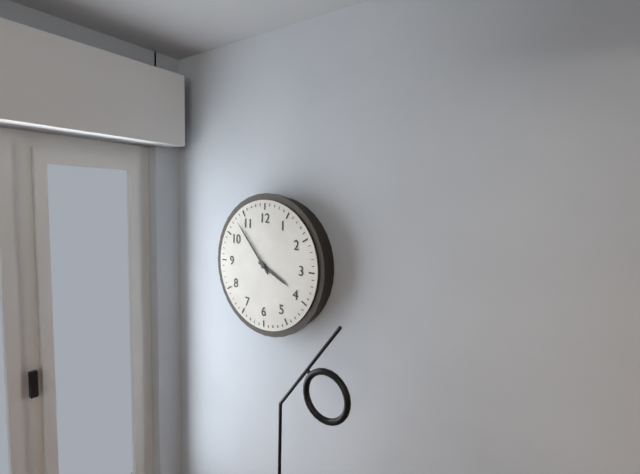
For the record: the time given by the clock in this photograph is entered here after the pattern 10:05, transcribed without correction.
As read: 3:53
